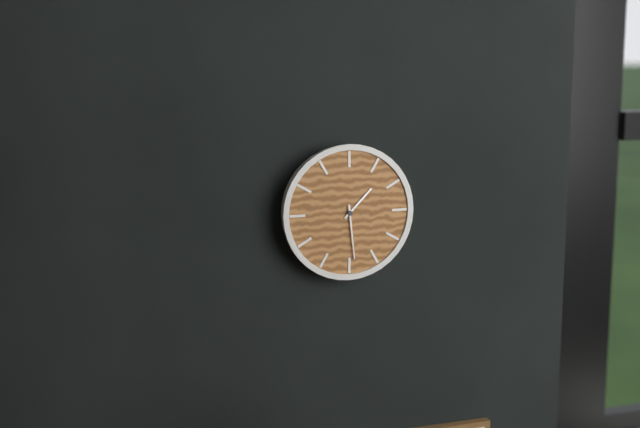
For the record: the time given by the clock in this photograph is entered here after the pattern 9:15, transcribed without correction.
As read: 1:29
